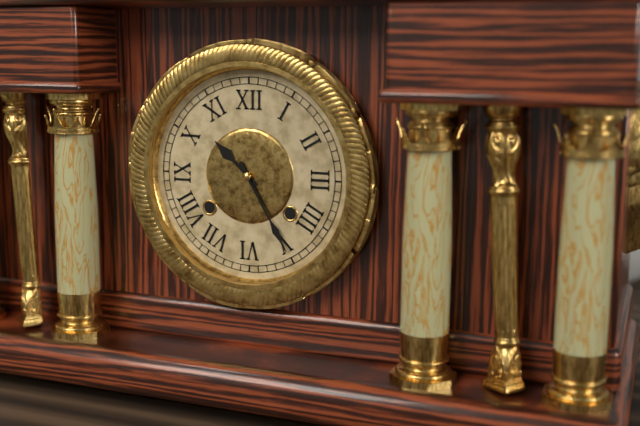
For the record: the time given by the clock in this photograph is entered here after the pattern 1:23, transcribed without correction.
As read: 10:25
